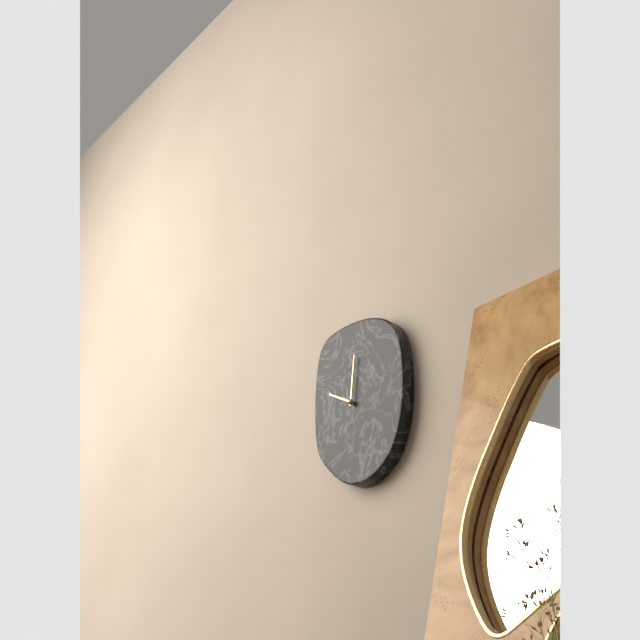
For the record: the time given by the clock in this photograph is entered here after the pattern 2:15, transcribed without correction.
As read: 10:01
